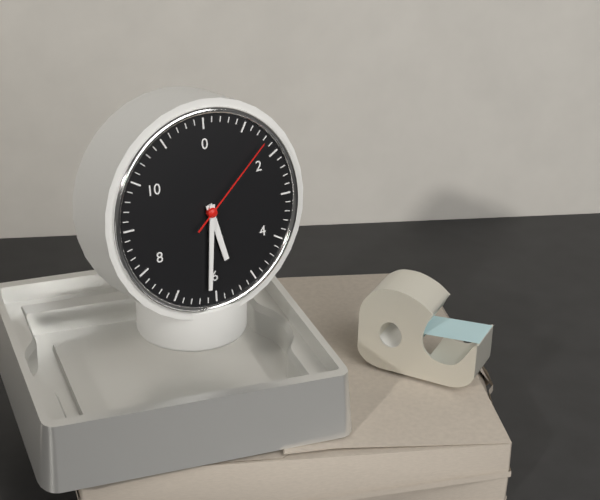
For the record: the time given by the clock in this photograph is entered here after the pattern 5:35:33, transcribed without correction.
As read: 5:31:08
